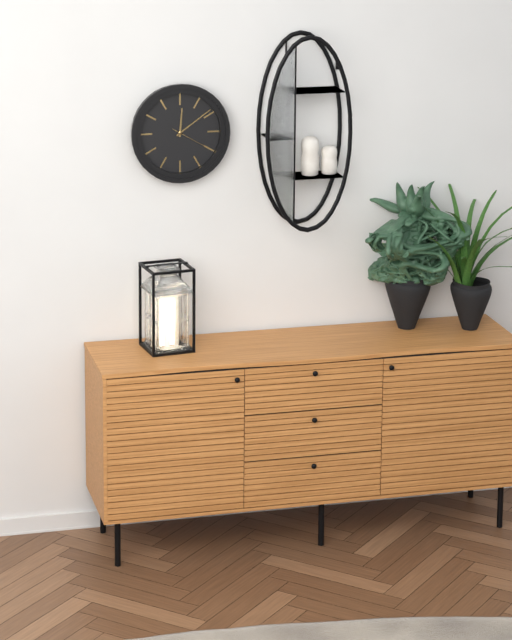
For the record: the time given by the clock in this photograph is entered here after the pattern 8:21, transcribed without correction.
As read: 12:09
